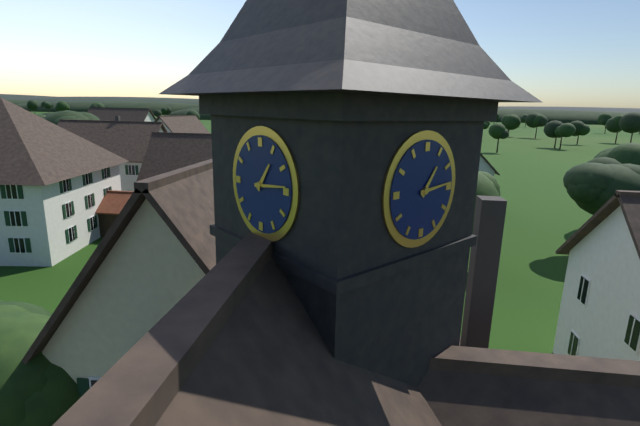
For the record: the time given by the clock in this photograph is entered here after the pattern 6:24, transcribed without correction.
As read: 1:14
